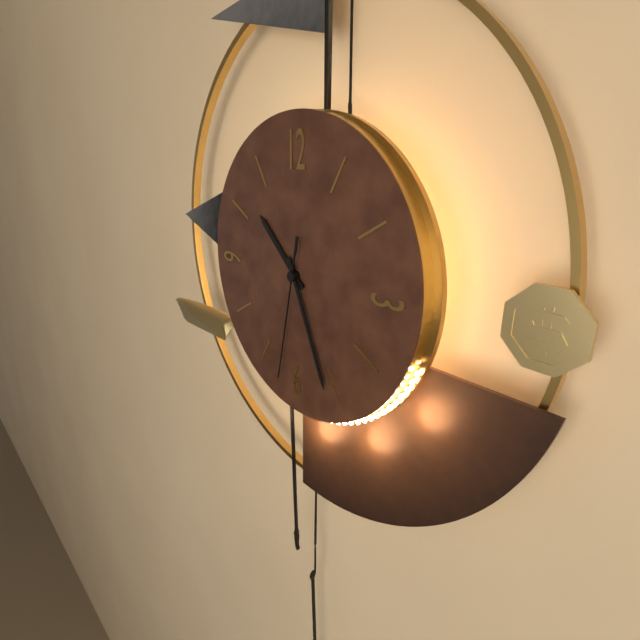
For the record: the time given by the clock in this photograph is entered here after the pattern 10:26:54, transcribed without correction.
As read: 10:26:32
